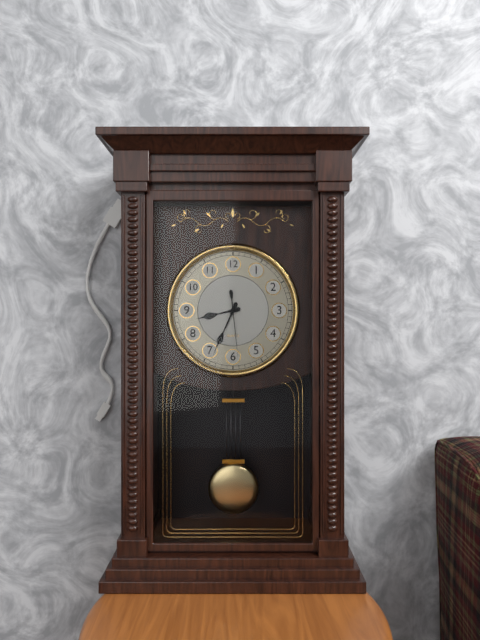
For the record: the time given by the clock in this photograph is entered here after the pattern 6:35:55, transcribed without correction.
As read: 8:34:29
